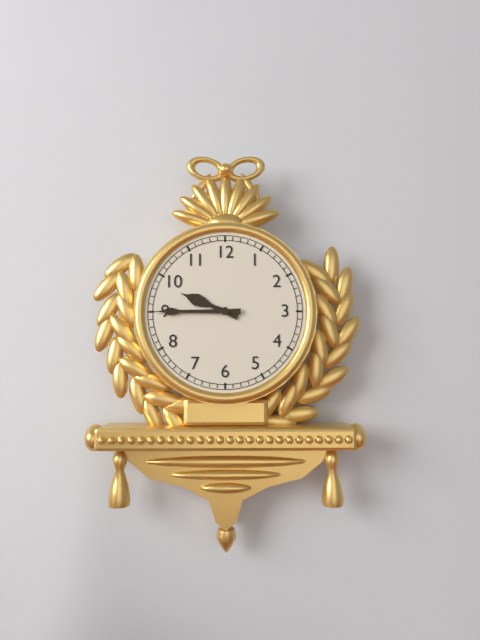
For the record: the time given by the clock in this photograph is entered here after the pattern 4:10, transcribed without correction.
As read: 9:45
